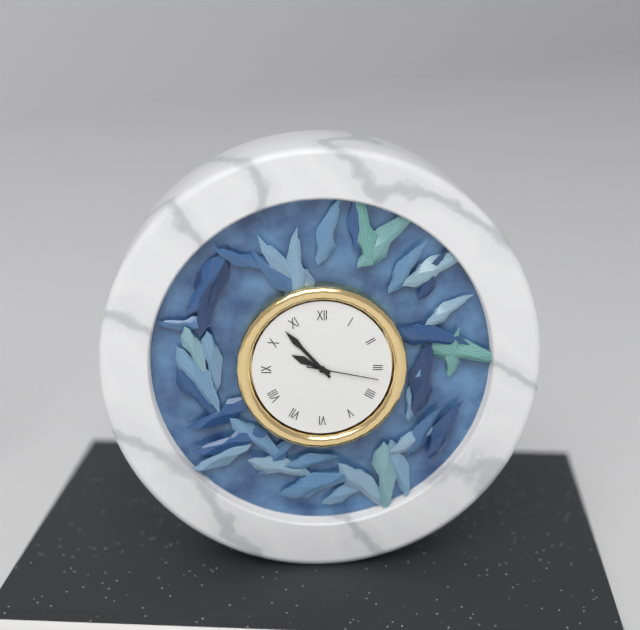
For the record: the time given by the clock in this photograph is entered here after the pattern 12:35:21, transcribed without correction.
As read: 9:53:17
